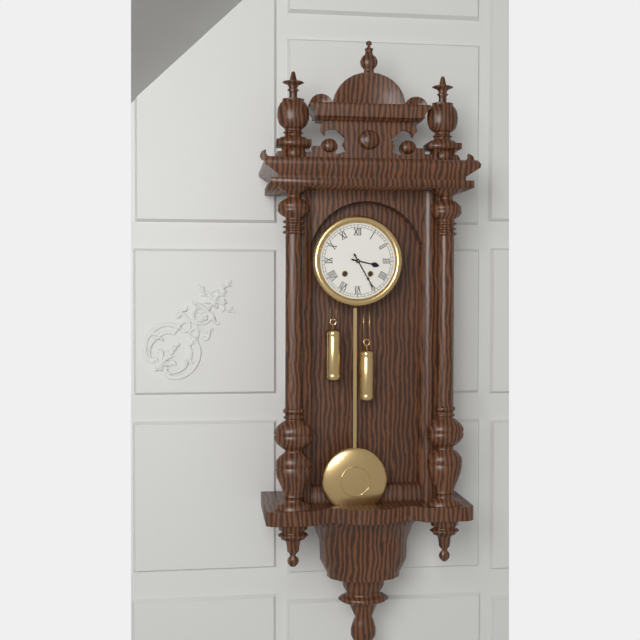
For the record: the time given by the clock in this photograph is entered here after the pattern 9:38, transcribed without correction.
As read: 3:25
